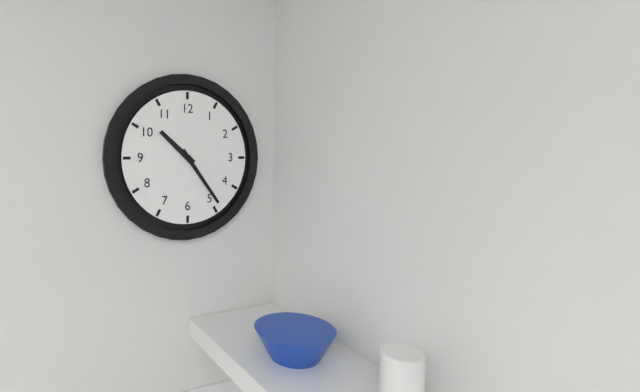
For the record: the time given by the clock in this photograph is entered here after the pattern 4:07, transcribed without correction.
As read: 10:24
